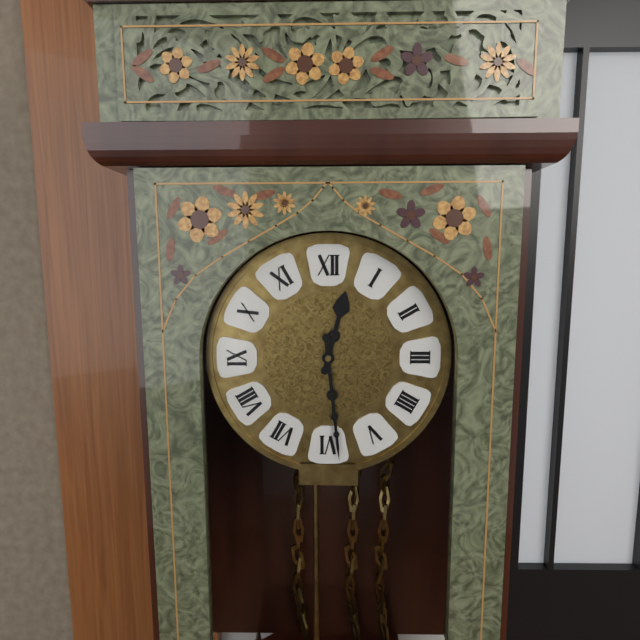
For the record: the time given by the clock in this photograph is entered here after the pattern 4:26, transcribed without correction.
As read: 12:29
